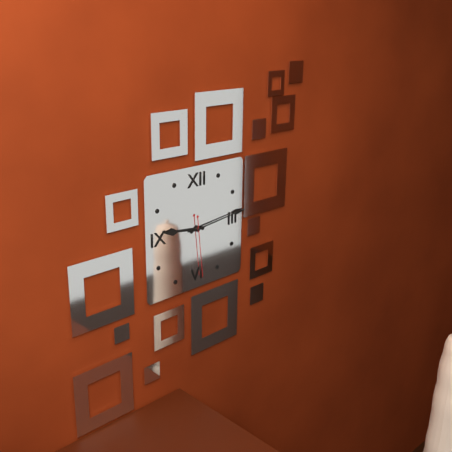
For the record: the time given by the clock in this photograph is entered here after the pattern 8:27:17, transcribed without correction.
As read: 9:14:29
